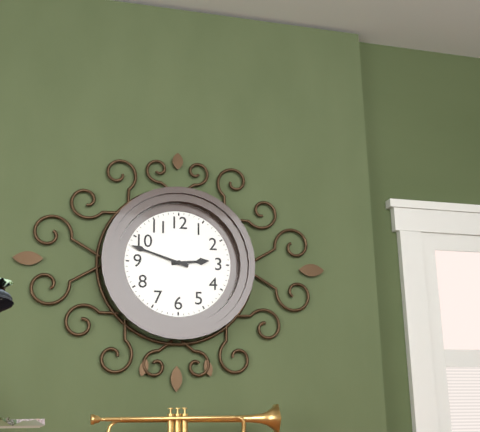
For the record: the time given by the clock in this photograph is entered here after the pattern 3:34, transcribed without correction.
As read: 2:48
